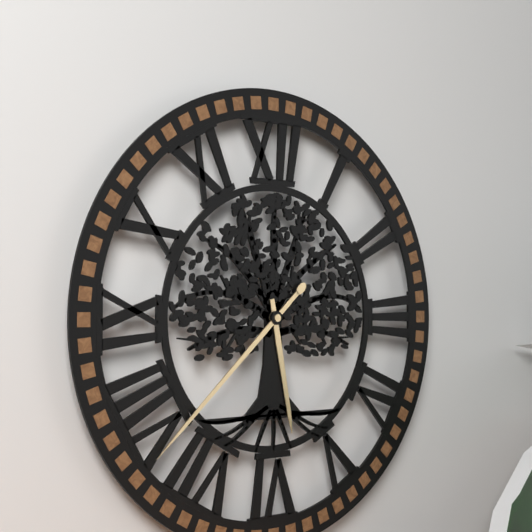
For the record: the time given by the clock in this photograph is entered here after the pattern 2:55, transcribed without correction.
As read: 5:38
